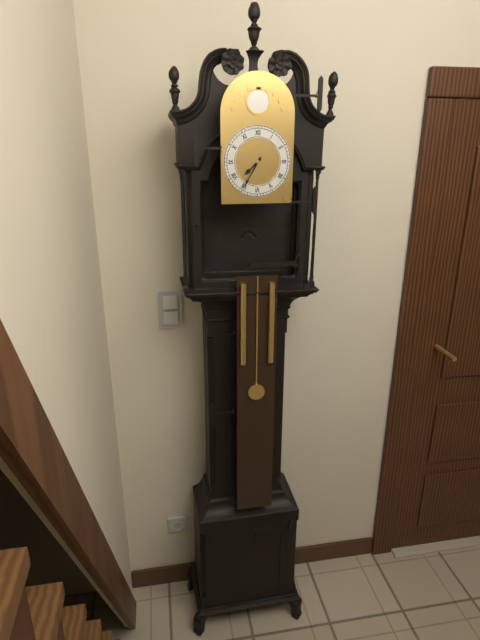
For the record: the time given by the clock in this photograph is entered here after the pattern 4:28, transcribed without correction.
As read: 7:35
